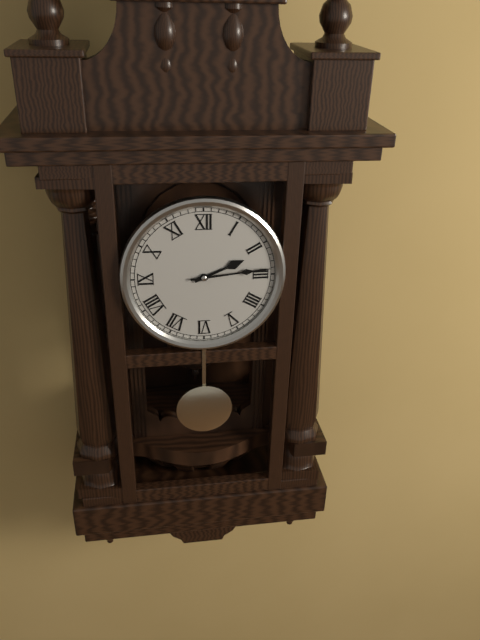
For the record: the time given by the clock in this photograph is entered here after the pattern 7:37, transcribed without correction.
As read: 2:14
